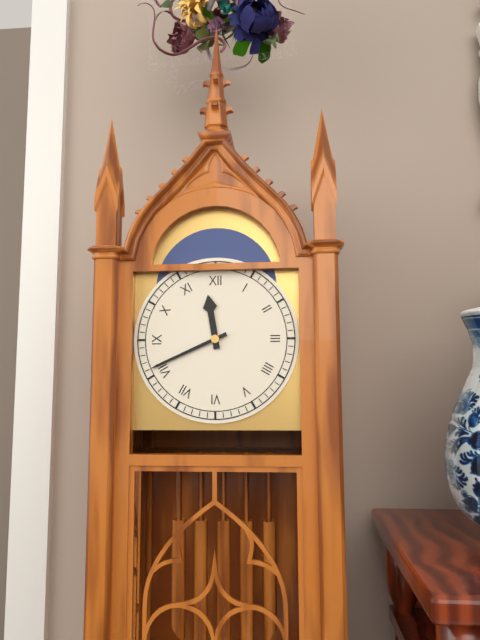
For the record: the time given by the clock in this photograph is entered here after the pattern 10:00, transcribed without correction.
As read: 11:41
